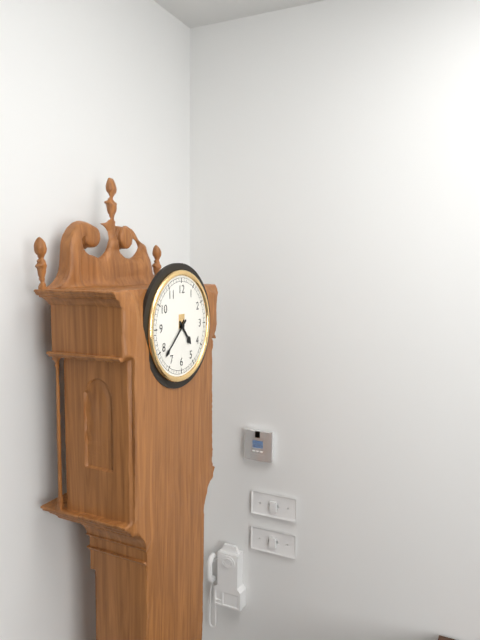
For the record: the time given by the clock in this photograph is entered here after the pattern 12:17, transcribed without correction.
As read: 4:38
